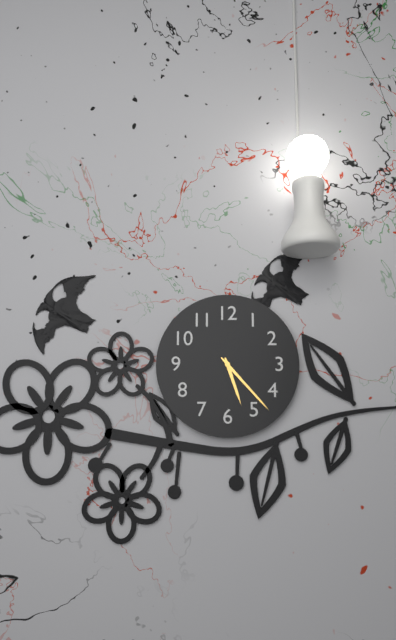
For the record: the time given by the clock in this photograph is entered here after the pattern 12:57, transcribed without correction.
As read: 5:23
